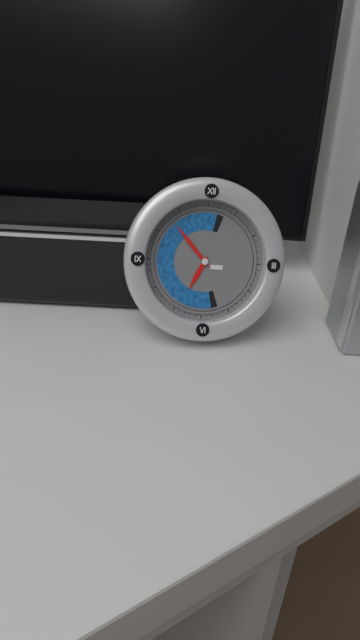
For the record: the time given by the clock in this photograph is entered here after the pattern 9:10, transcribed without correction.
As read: 6:53
